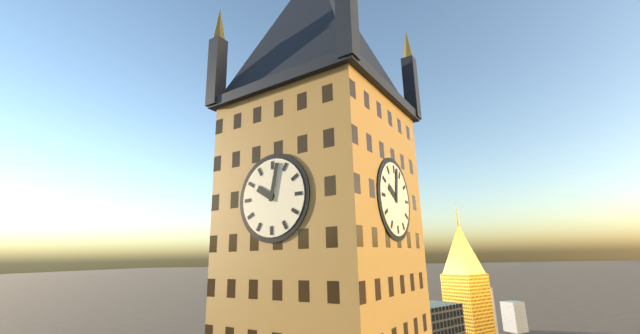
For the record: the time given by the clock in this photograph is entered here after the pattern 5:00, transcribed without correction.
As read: 10:02
